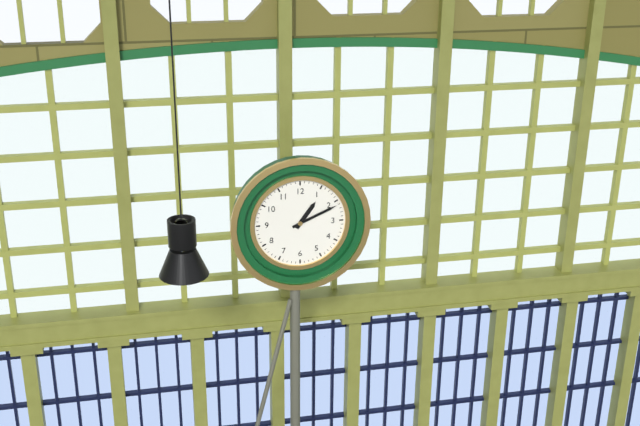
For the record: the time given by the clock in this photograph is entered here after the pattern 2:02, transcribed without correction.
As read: 1:11
